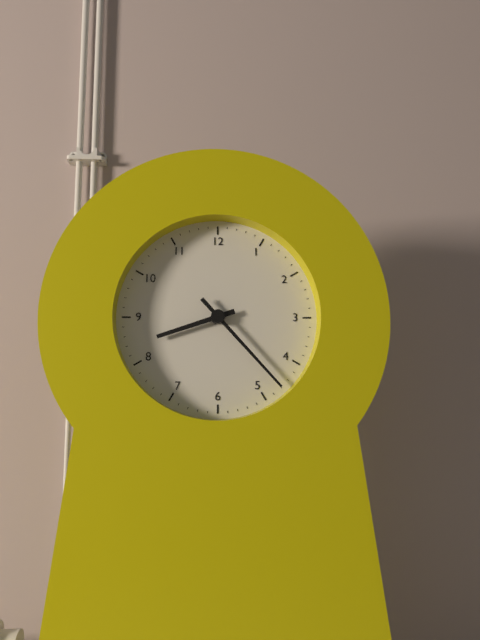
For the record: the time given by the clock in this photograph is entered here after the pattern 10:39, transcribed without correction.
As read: 8:23
